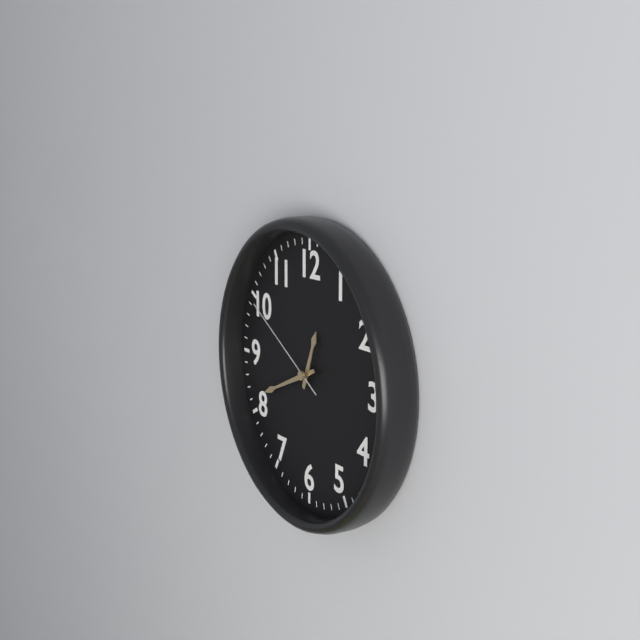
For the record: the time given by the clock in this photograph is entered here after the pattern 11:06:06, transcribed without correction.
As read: 12:41:50
